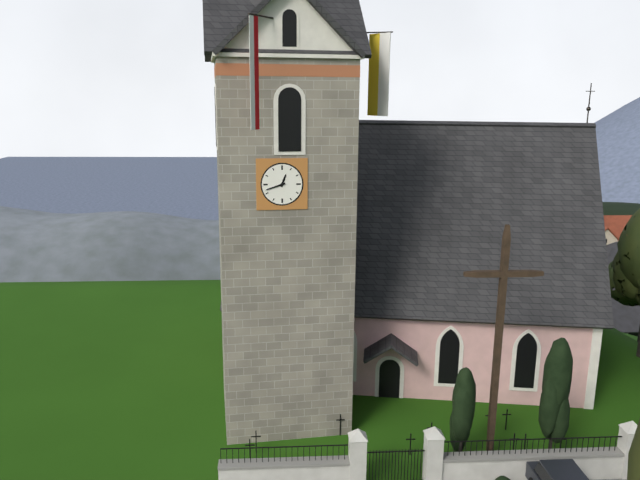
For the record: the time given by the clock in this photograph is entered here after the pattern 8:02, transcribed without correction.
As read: 12:42
